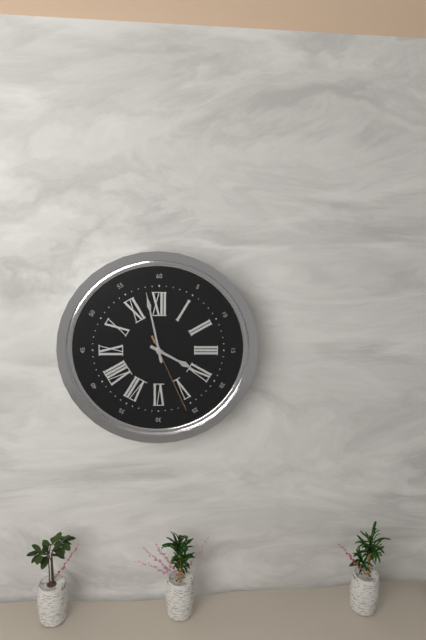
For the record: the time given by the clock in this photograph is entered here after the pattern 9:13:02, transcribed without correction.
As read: 3:58:26
